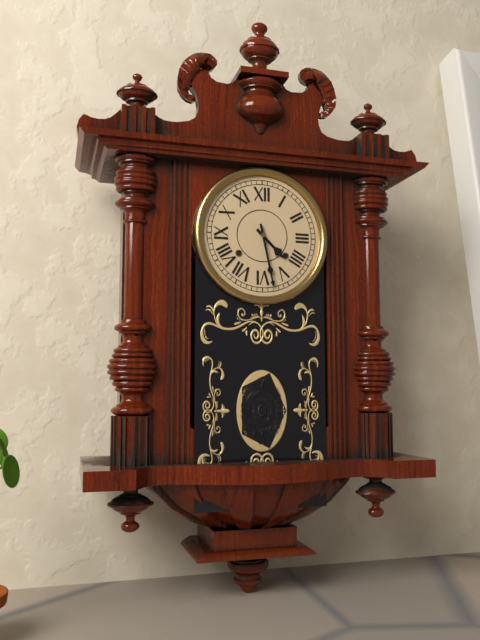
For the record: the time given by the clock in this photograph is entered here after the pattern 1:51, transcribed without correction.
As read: 4:28
